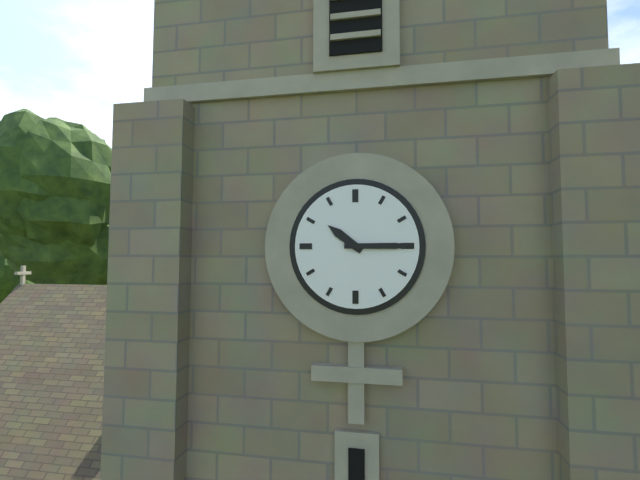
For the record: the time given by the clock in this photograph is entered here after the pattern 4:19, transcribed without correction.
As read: 10:15
